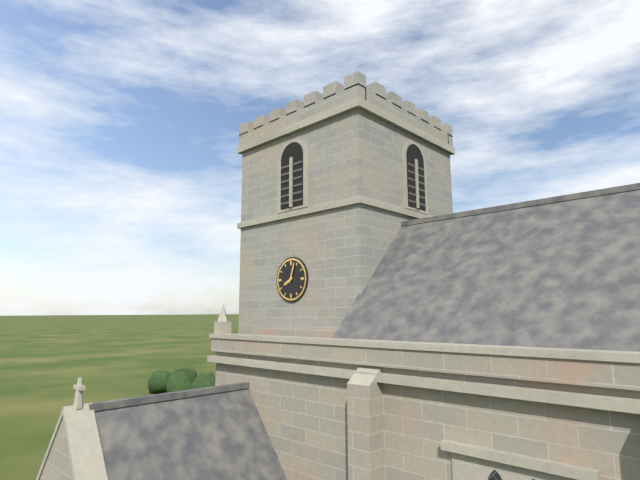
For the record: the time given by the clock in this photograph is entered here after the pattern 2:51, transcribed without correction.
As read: 8:03
